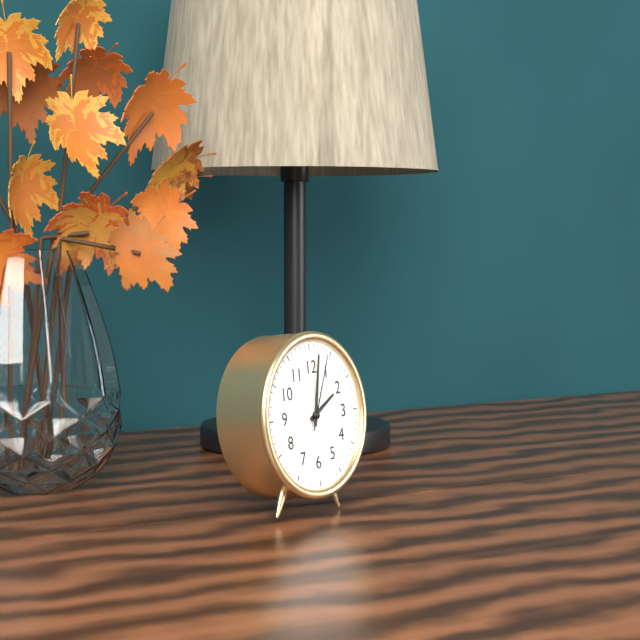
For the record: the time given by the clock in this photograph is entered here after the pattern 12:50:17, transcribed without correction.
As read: 2:02:04
